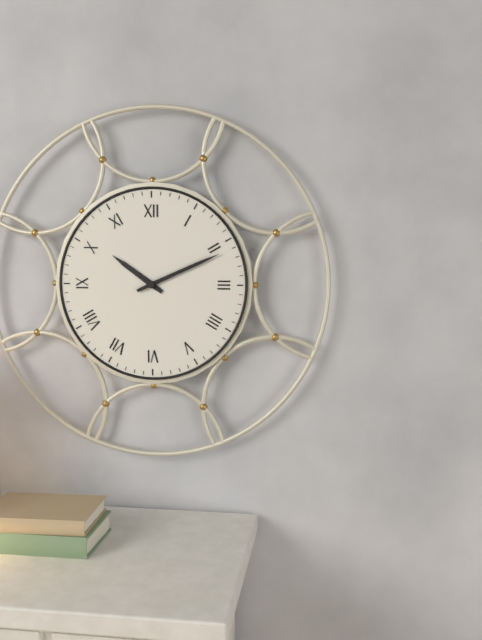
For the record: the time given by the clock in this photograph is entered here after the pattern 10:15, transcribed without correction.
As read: 10:11
